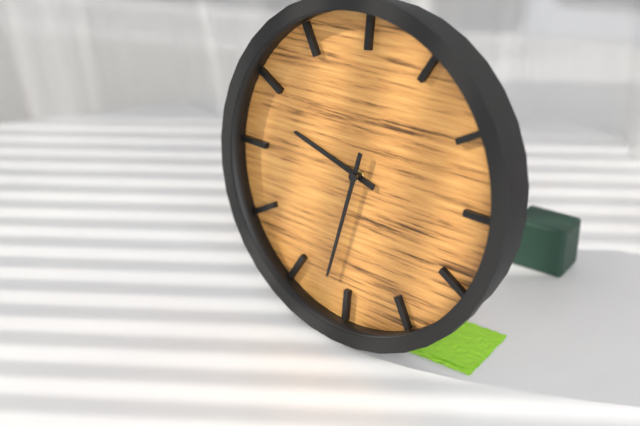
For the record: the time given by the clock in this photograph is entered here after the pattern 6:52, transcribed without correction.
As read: 9:32
